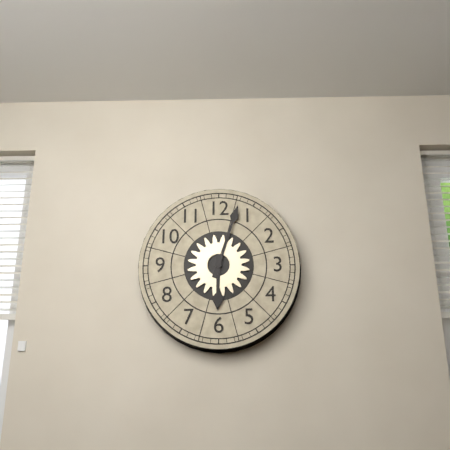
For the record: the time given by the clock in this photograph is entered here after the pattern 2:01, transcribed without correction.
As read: 6:03
